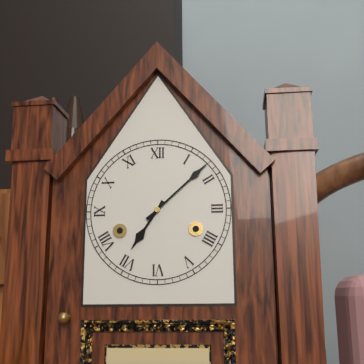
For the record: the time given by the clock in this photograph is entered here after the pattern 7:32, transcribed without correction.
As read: 7:08
